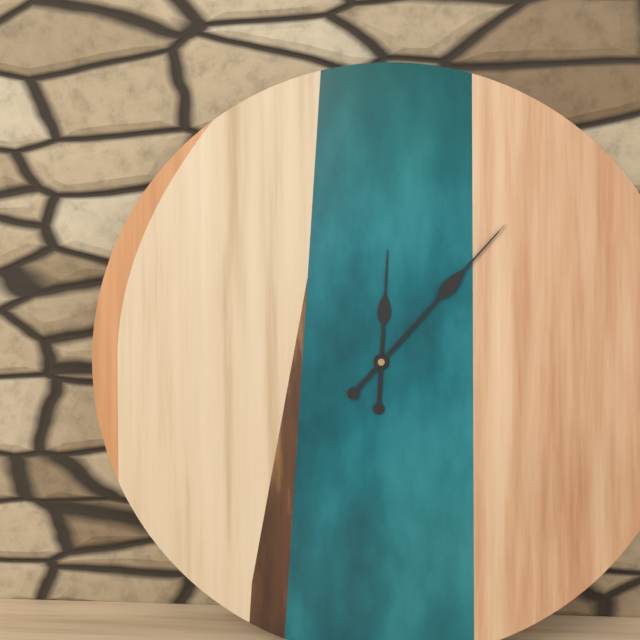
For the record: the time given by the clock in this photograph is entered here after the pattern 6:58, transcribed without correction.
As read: 12:07
